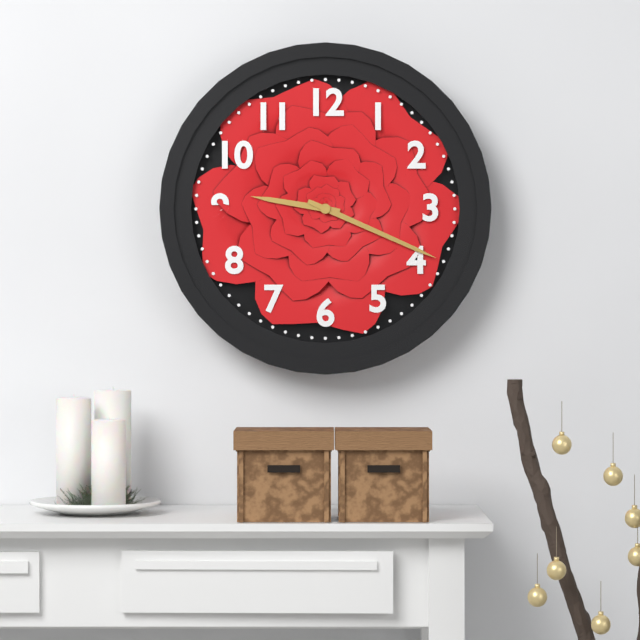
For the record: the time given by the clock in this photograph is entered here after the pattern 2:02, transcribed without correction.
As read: 9:19
